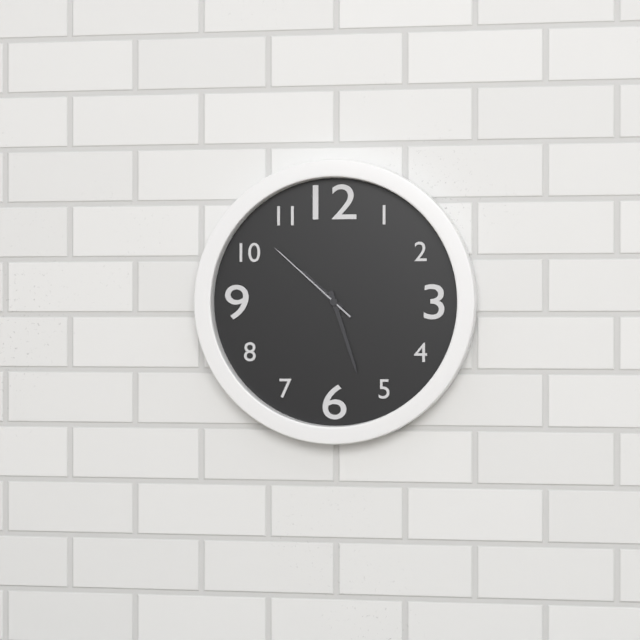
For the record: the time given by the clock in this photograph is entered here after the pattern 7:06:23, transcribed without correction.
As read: 10:27:52
